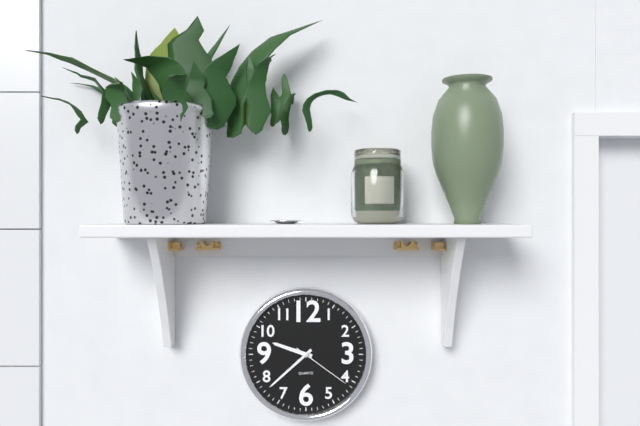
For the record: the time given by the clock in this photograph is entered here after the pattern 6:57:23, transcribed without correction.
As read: 9:38:21
